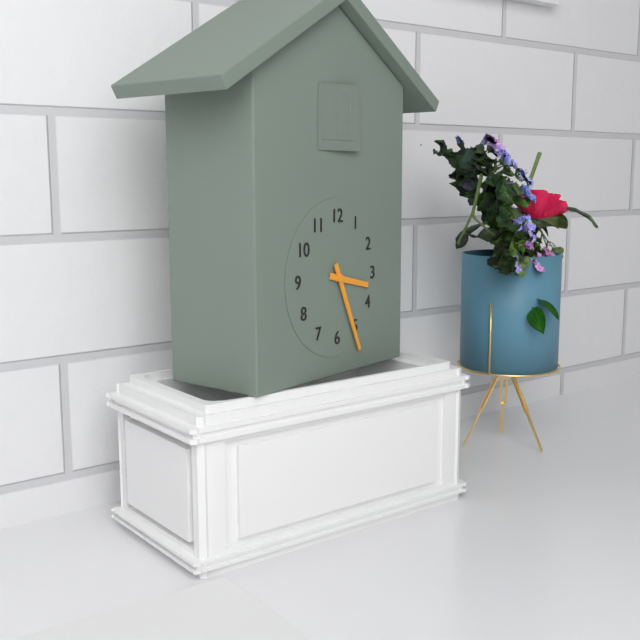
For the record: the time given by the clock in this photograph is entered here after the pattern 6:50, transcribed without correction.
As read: 3:26
